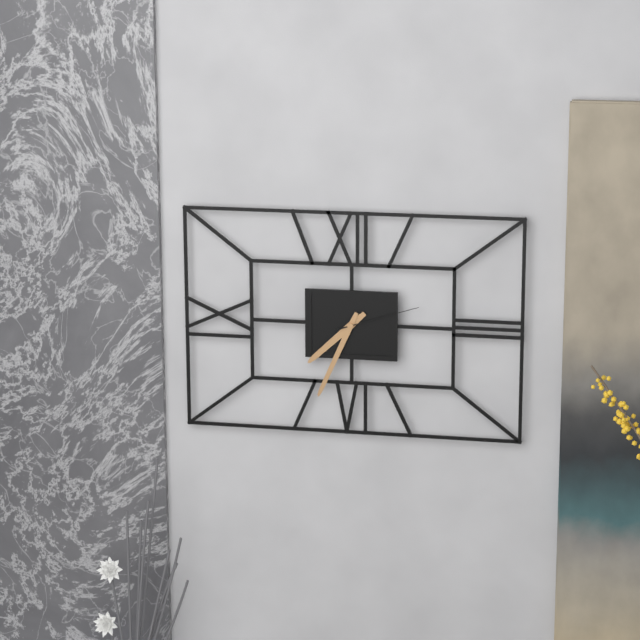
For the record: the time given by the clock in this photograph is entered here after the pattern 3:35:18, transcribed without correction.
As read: 7:34:12
